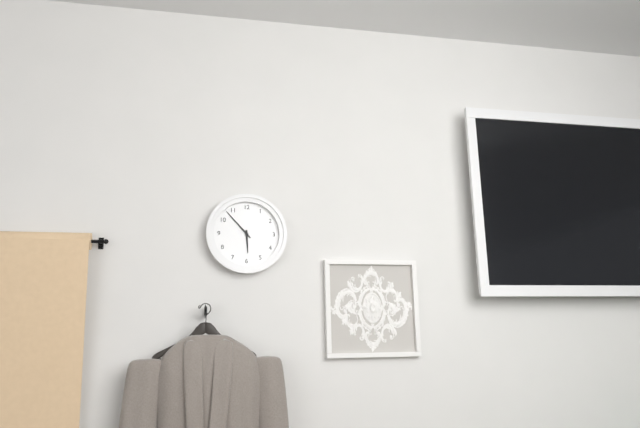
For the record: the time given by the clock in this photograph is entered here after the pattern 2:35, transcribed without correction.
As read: 5:53
